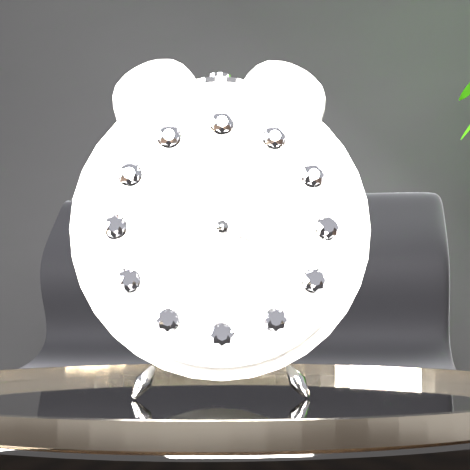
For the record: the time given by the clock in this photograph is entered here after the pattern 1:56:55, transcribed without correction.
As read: 3:35:19
